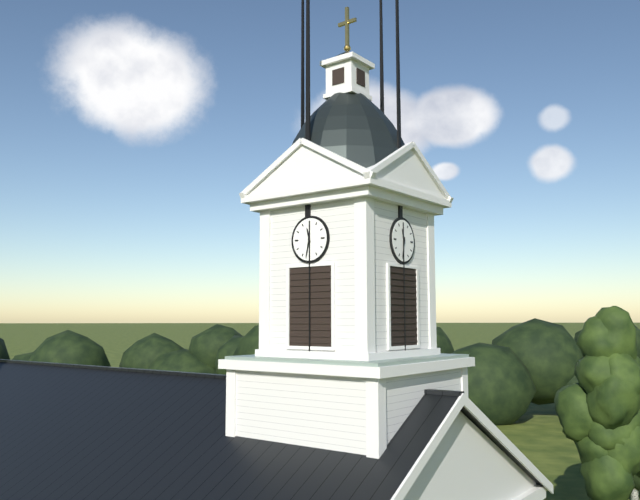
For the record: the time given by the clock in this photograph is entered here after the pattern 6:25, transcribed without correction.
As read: 11:32
